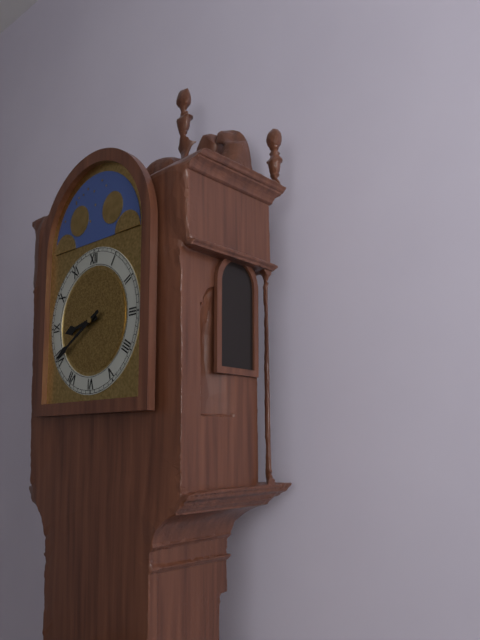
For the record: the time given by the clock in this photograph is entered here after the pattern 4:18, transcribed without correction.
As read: 8:40
